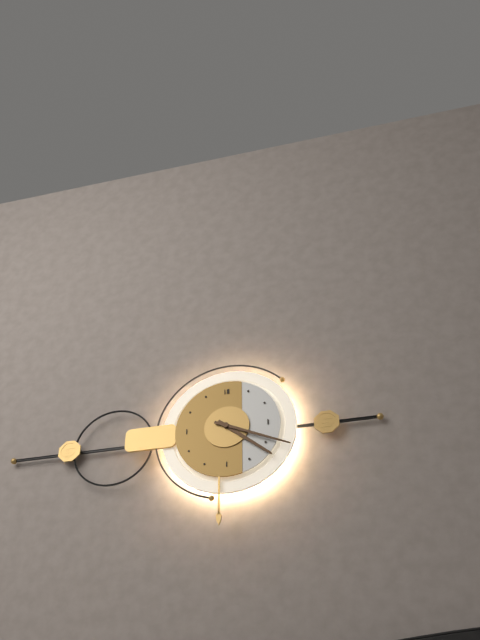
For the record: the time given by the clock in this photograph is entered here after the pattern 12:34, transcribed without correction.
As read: 4:19
